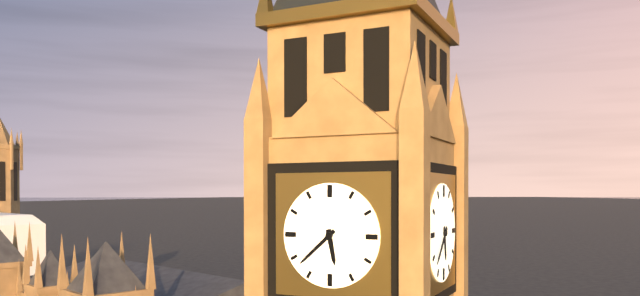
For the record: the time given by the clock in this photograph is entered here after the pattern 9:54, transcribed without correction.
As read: 5:38
